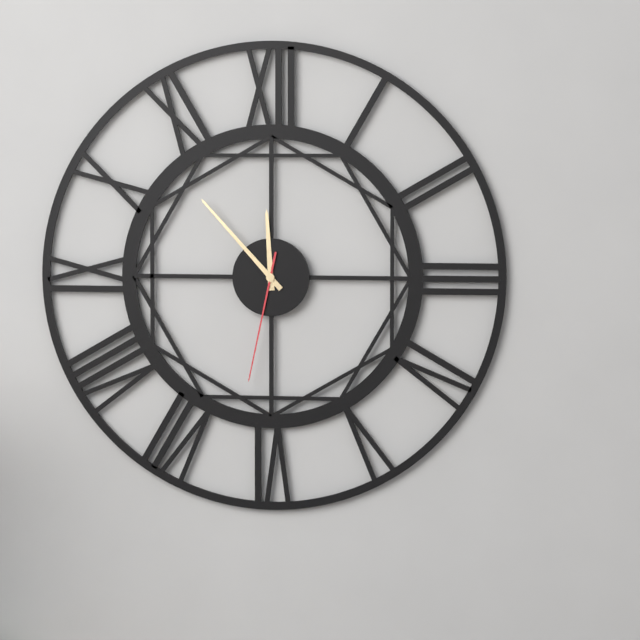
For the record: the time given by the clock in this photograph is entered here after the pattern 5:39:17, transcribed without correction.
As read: 11:53:32
